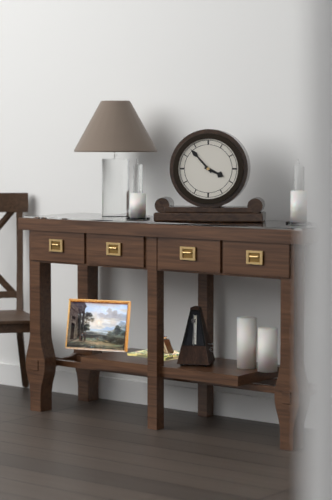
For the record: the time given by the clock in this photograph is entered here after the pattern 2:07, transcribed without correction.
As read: 3:53
